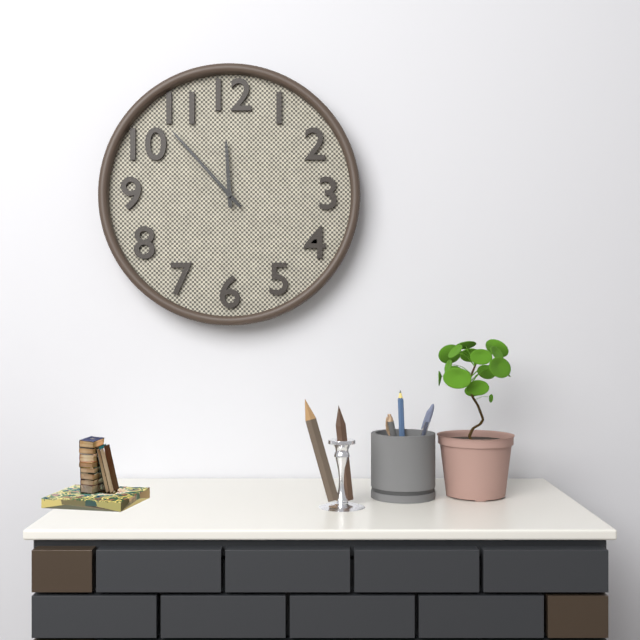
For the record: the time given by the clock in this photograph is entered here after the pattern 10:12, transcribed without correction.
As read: 11:53
